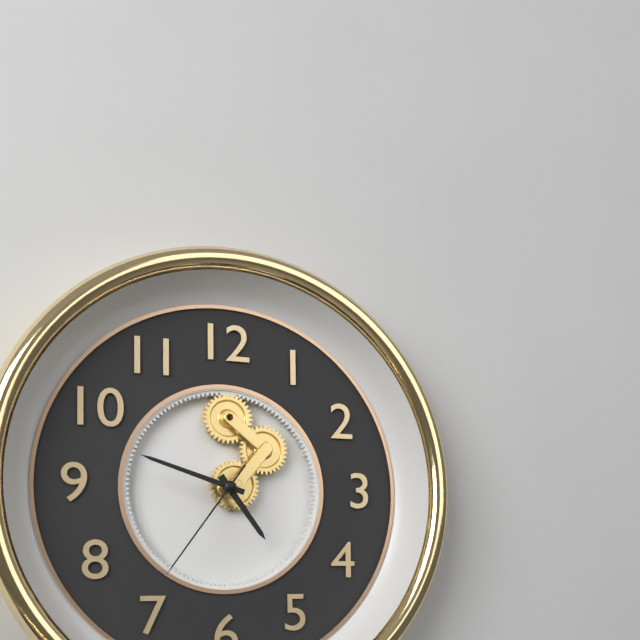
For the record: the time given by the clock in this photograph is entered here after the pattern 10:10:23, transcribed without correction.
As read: 4:48:36
